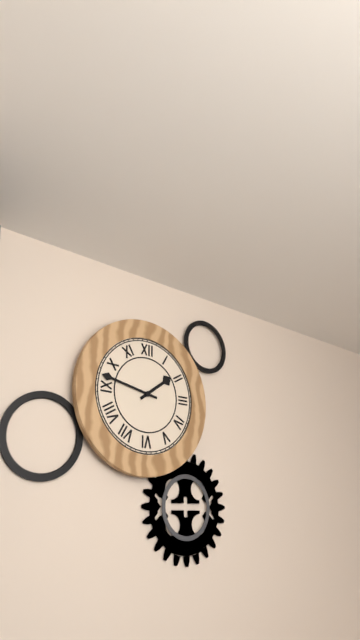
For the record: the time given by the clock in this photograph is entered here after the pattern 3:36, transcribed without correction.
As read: 1:47
